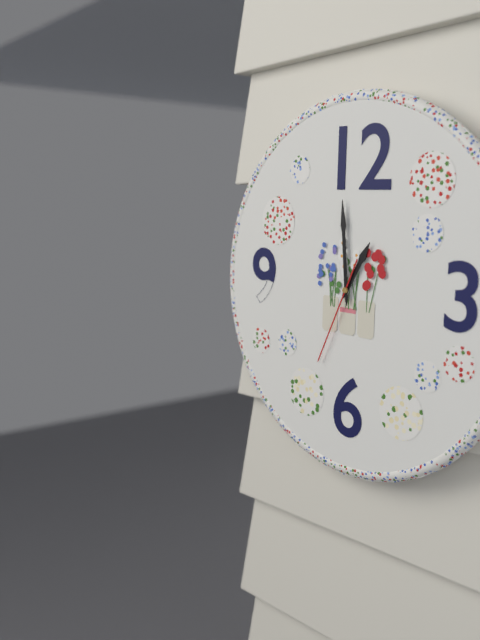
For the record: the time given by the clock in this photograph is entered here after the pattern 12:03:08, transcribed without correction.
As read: 12:59:34
